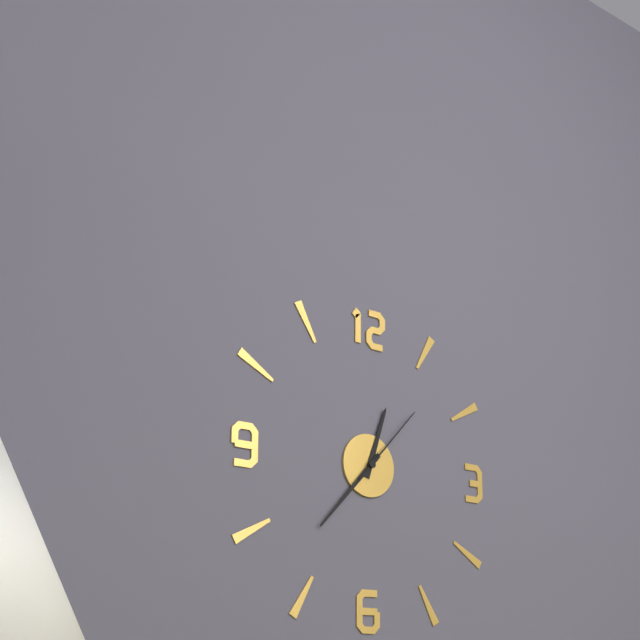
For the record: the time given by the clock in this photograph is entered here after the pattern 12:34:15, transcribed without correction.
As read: 12:37:07
